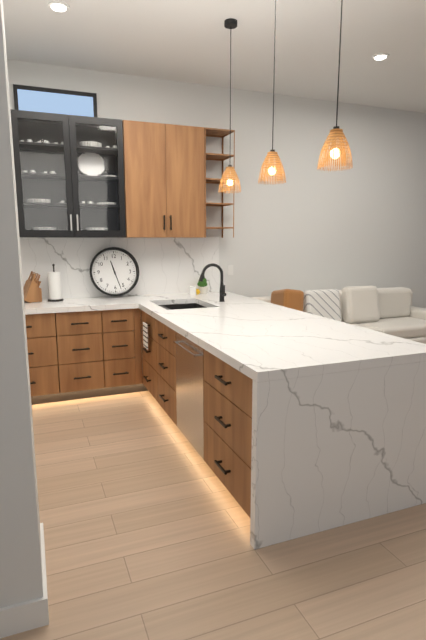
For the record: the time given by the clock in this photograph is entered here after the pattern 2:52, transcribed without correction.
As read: 11:27
